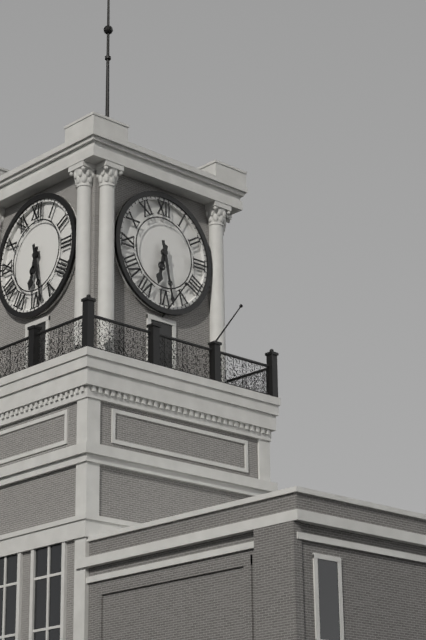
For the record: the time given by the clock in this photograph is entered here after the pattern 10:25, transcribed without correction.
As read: 6:28
